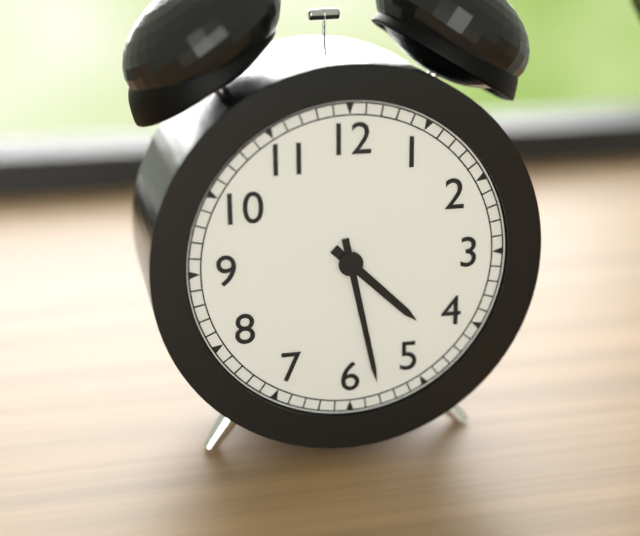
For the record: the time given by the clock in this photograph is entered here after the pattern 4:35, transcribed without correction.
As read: 4:28
